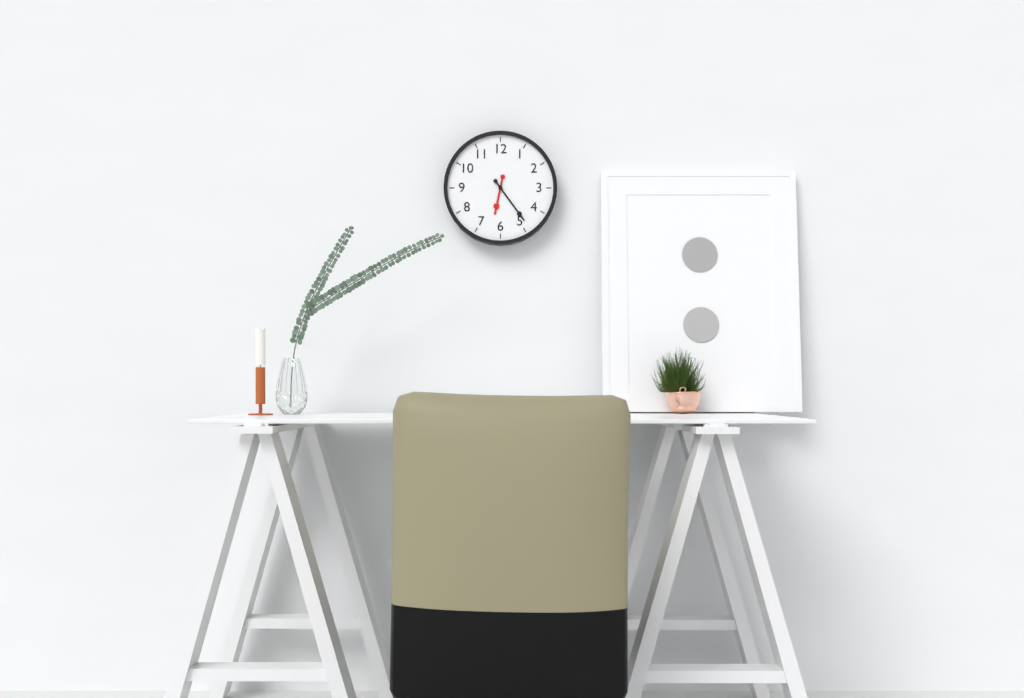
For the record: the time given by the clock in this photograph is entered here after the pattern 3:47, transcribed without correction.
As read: 6:24
